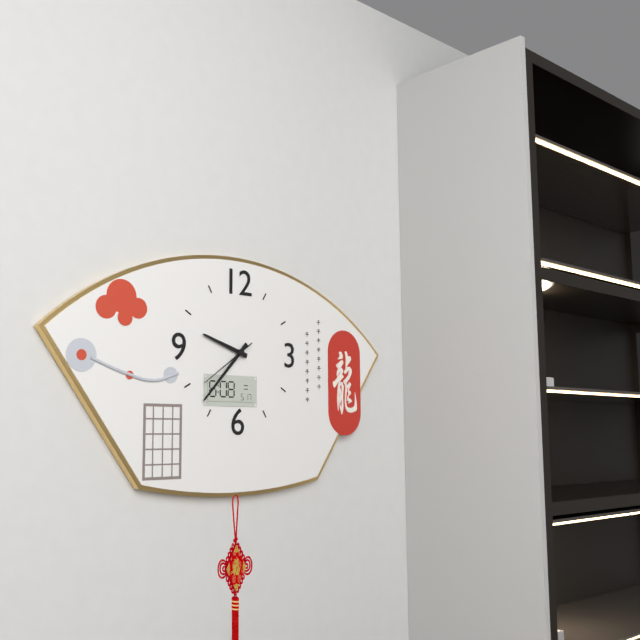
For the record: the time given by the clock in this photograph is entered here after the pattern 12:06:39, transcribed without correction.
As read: 9:37:39
